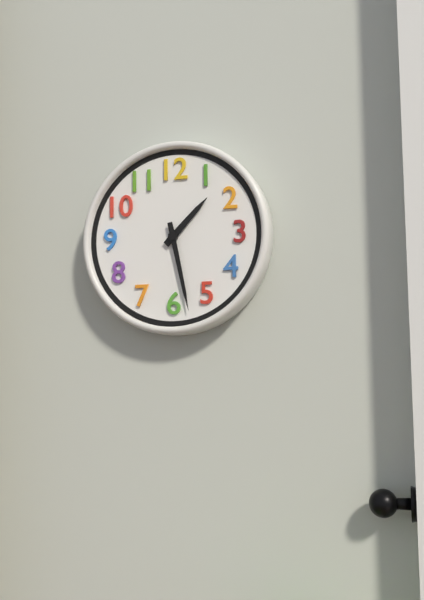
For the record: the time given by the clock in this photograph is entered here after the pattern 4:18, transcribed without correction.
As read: 1:28
